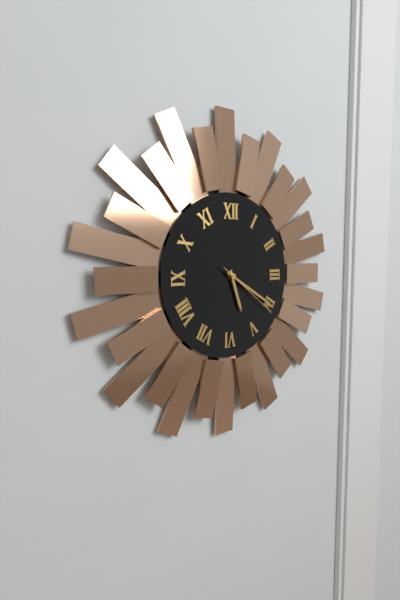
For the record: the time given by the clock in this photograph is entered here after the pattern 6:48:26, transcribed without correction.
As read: 5:20:21
